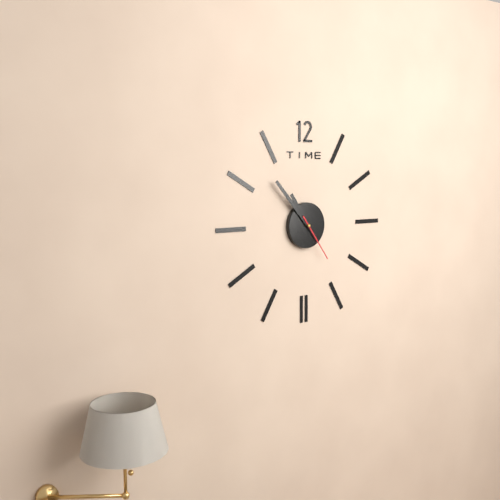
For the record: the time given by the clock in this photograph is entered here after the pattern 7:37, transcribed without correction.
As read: 10:53
